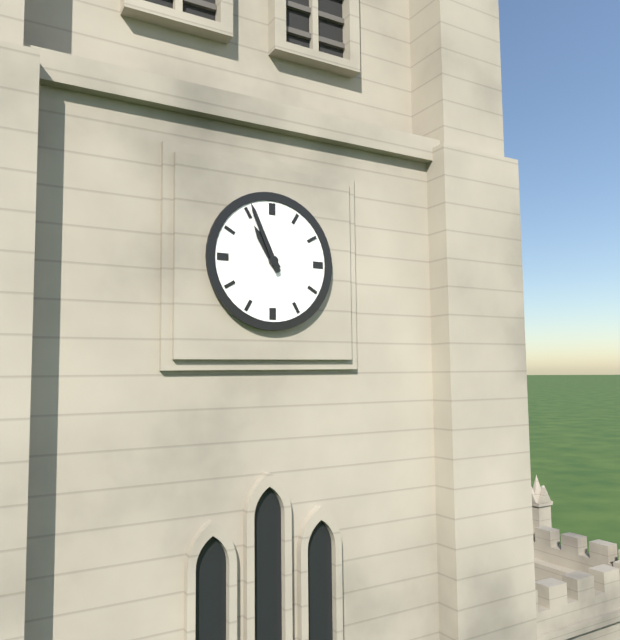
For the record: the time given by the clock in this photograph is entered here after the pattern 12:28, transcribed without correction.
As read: 10:56
